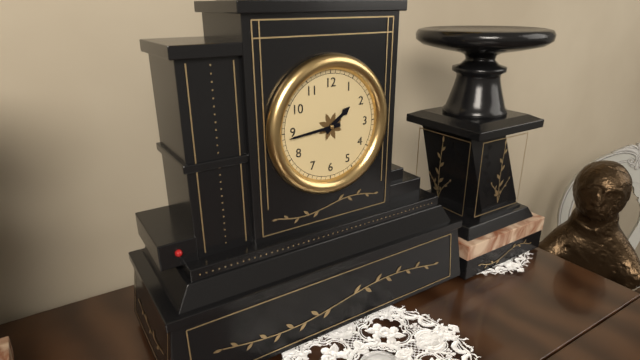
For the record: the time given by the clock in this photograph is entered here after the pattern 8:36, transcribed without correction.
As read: 1:44
